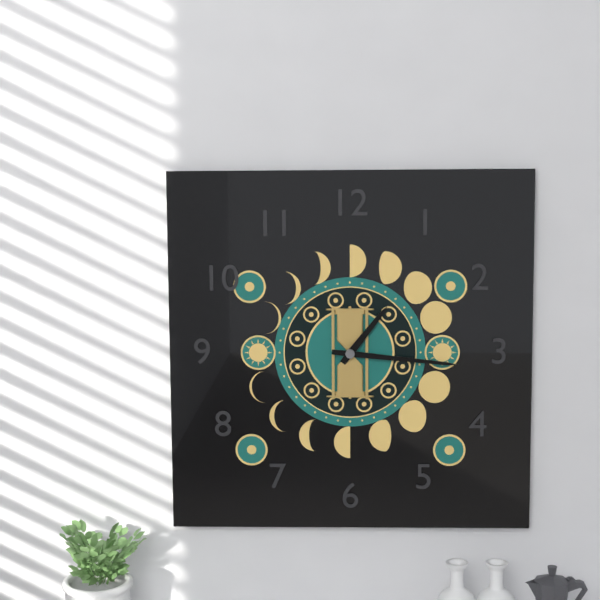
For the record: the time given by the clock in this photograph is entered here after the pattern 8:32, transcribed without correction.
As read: 1:16
